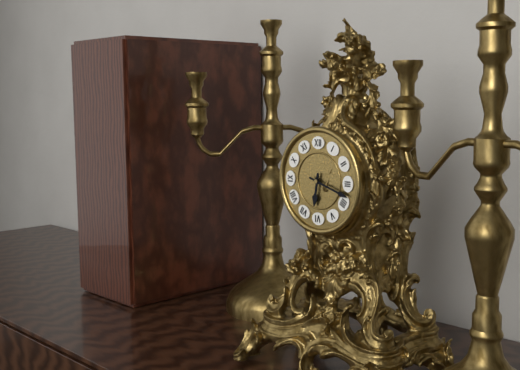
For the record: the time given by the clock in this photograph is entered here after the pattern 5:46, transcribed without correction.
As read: 6:18
